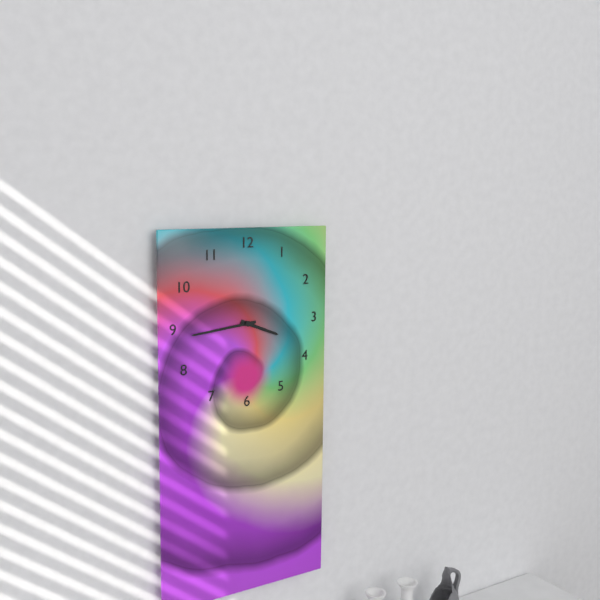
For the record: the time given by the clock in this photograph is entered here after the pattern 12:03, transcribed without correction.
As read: 3:44
